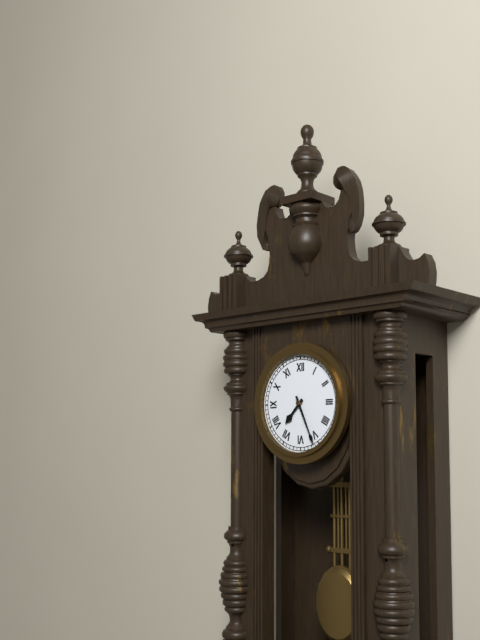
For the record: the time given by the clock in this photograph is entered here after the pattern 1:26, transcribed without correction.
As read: 7:26
